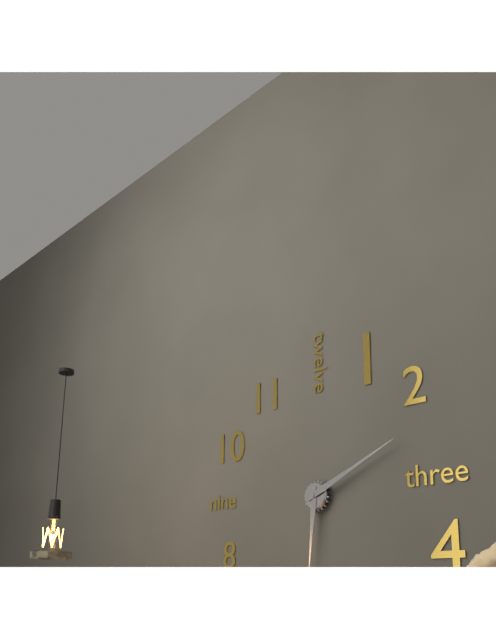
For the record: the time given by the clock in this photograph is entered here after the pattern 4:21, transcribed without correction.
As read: 6:11
